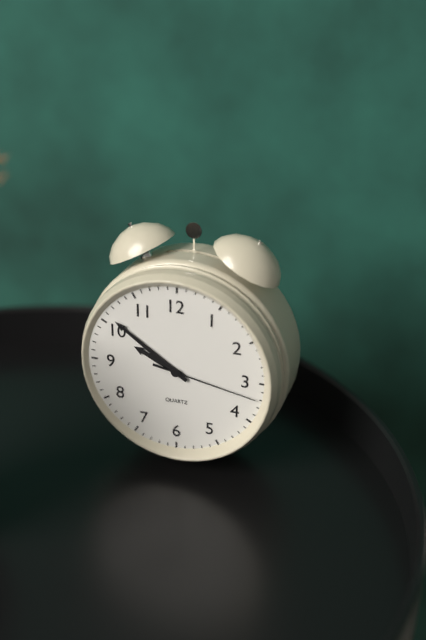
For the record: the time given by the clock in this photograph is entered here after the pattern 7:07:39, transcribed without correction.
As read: 9:51:17
